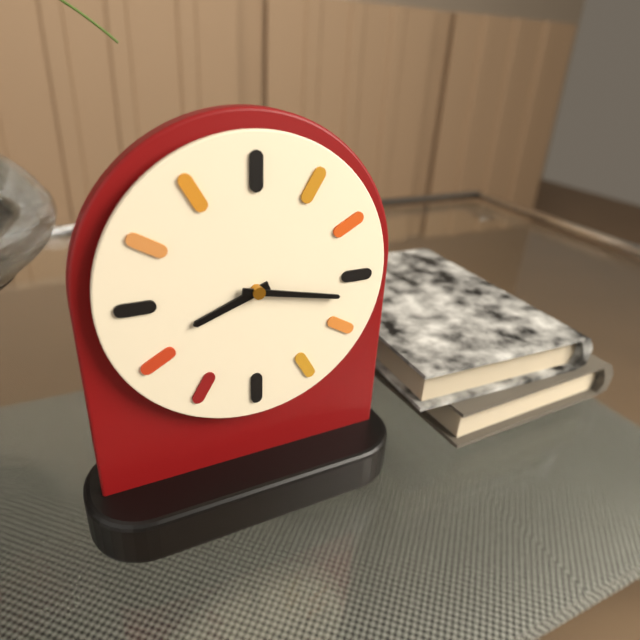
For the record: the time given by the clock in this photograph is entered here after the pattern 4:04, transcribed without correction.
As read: 8:17
